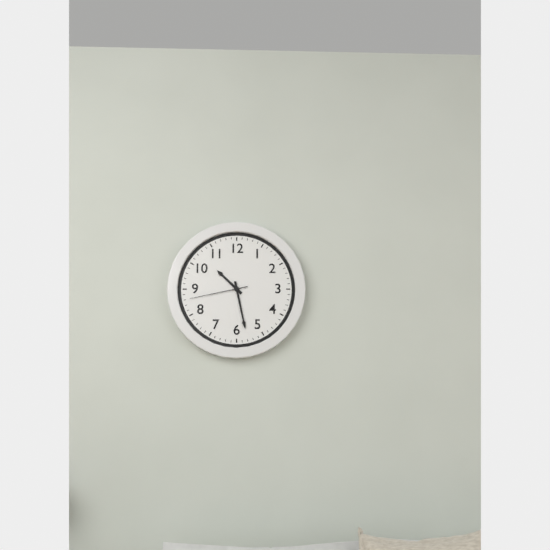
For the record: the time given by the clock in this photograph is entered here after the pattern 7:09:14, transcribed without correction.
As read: 10:28:43
